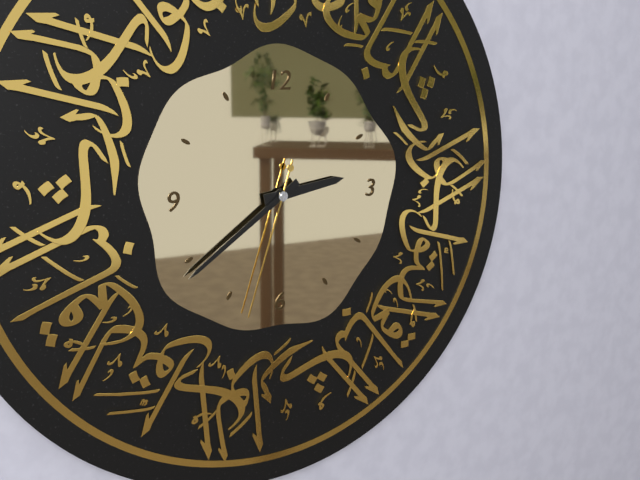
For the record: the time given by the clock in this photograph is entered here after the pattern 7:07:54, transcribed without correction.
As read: 2:39:33
